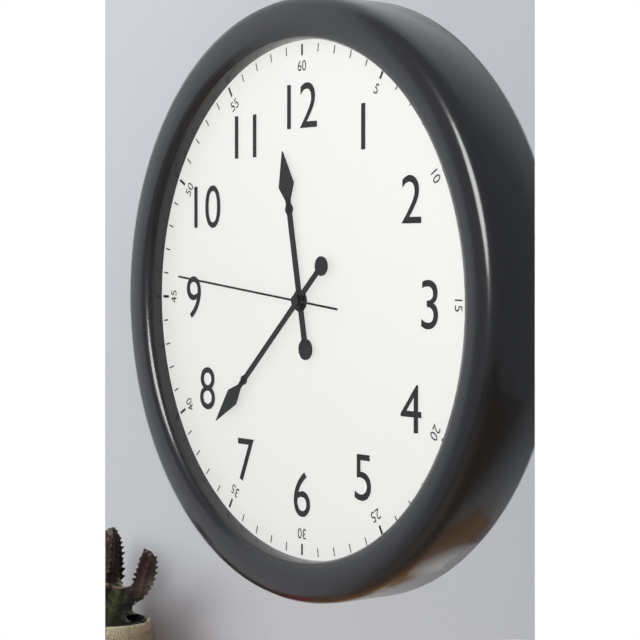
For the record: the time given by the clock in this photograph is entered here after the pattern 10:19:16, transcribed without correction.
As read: 11:38:46
